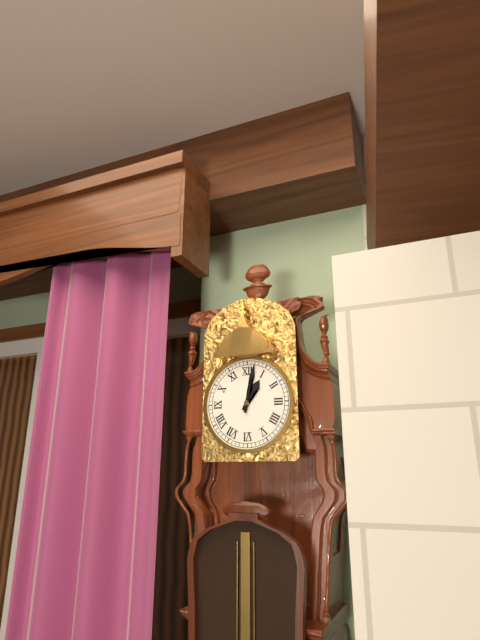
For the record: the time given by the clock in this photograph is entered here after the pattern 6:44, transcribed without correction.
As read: 1:02
